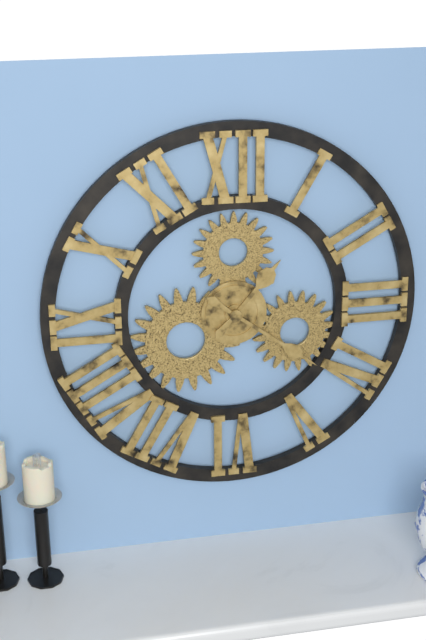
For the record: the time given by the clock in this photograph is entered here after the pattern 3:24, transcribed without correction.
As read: 1:21
